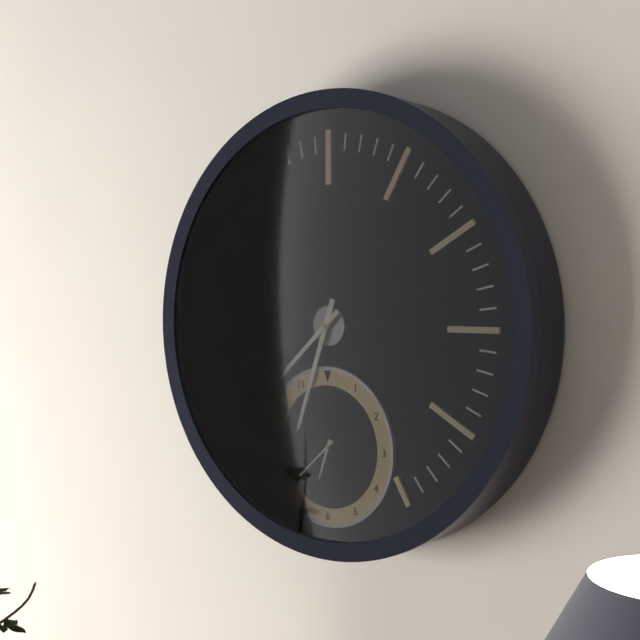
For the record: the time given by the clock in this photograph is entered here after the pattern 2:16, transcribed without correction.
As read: 6:38
